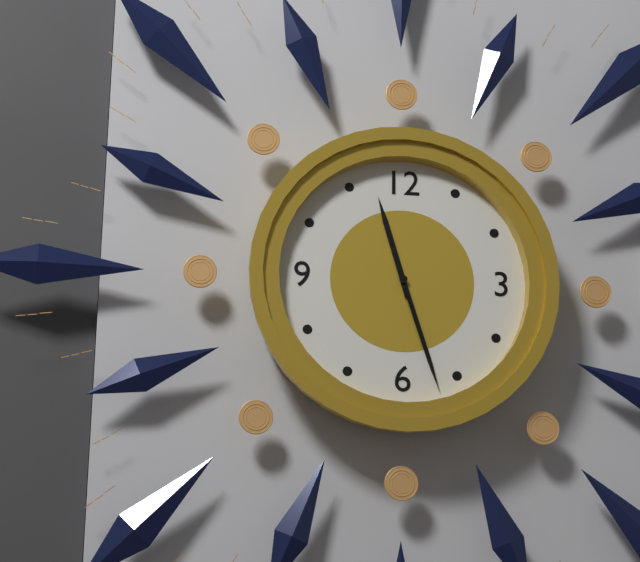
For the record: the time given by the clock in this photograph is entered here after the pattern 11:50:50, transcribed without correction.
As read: 11:27:27
